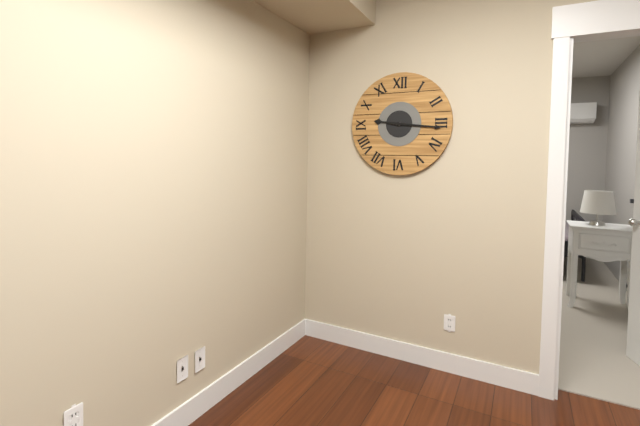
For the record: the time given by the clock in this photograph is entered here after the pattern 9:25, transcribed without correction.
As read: 9:16
